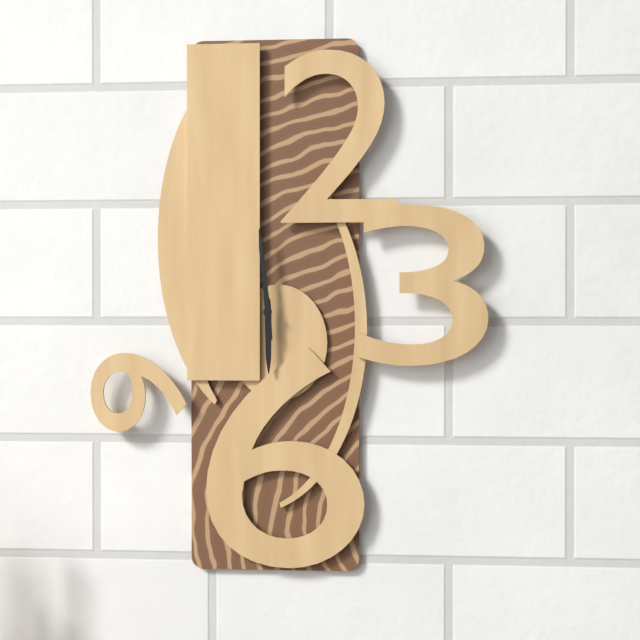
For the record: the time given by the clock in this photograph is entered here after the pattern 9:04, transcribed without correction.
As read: 5:59
